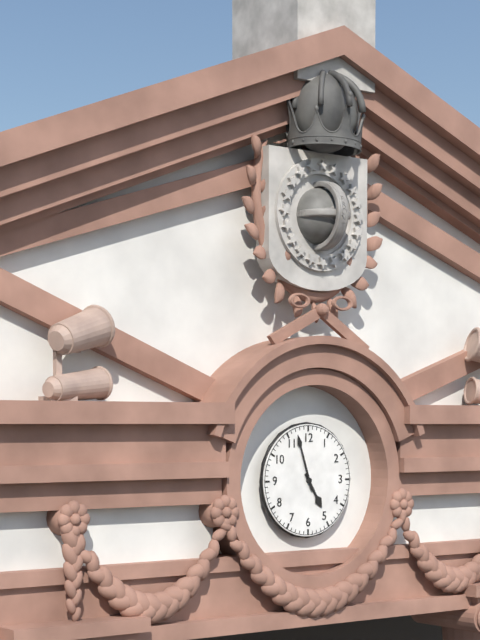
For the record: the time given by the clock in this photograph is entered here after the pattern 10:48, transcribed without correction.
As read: 4:57
